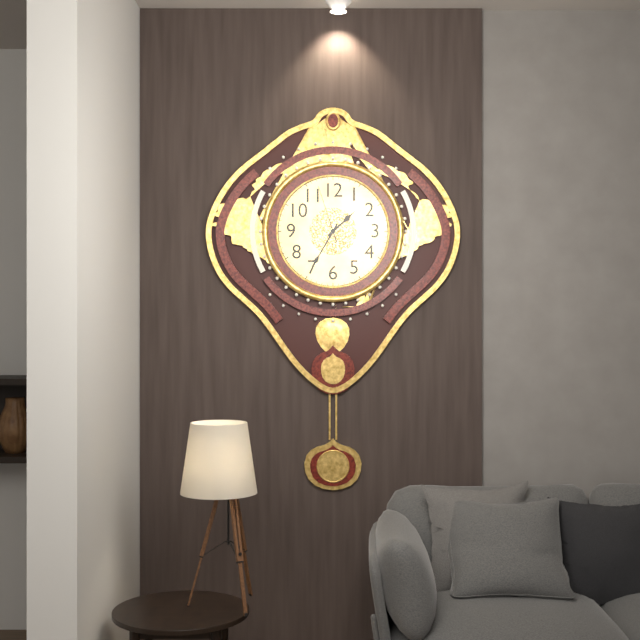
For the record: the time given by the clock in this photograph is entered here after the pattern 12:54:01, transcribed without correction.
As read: 1:35:57
